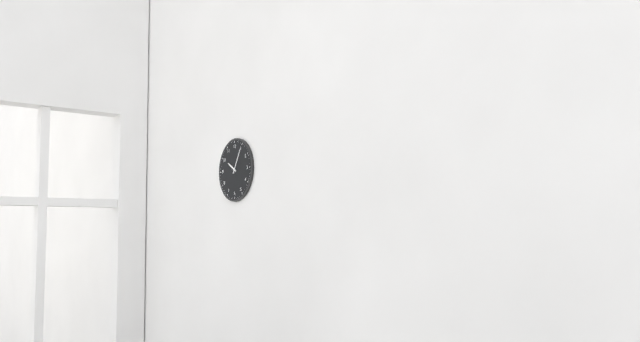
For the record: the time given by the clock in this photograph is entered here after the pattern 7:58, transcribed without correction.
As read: 10:05
